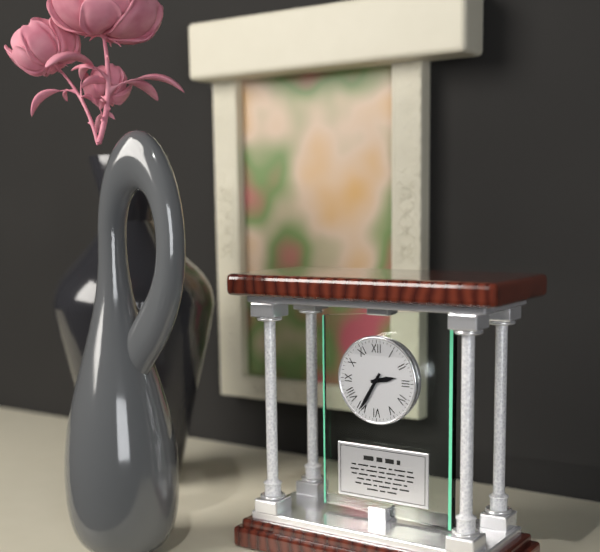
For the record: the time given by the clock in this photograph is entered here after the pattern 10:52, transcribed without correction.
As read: 2:35
